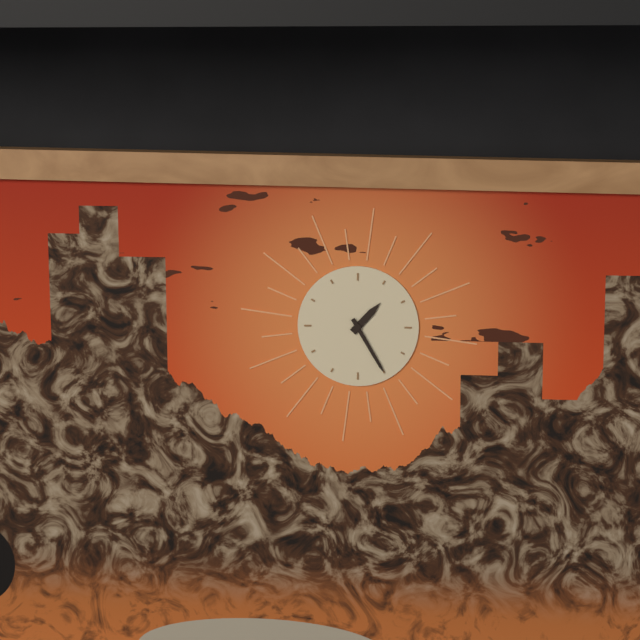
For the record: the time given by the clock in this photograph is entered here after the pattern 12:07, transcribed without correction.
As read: 1:25
